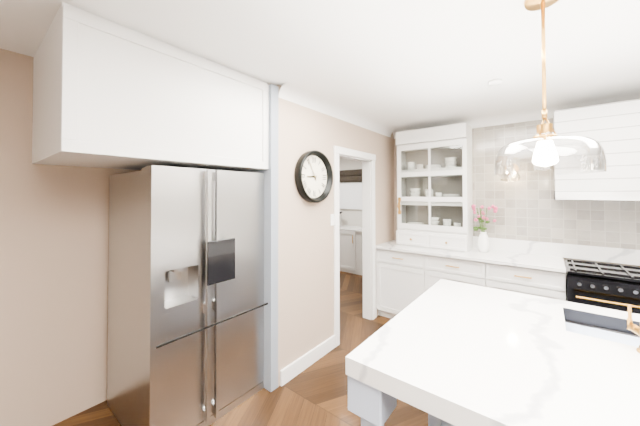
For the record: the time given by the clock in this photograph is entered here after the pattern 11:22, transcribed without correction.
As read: 8:55
